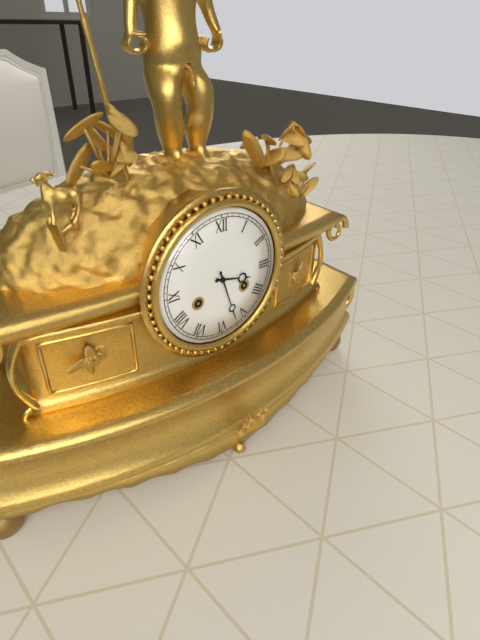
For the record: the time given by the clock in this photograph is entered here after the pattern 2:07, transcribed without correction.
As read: 3:27
